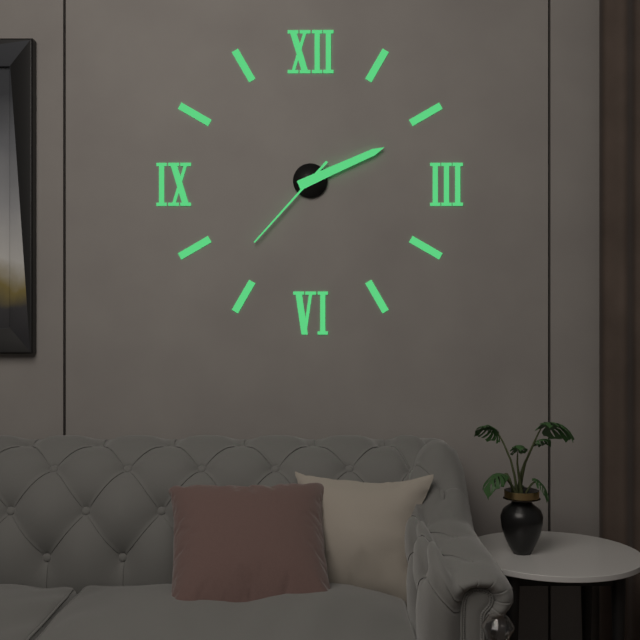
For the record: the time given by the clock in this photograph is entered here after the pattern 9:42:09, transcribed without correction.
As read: 2:11:37
